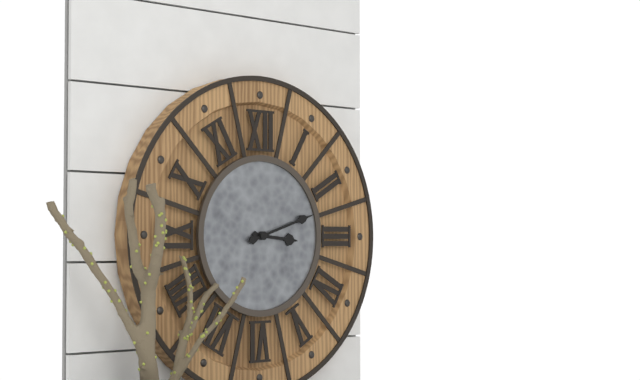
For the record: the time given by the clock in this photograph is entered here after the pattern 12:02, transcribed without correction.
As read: 3:12
